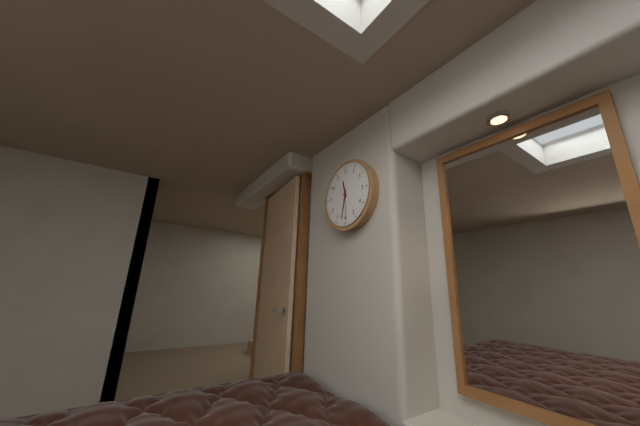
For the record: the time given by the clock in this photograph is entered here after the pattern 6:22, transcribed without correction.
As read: 11:32
